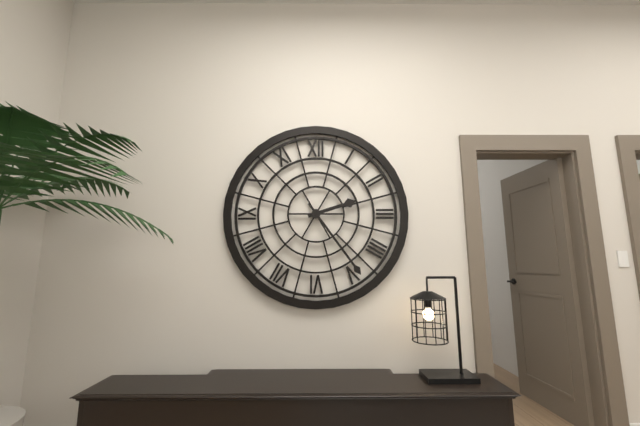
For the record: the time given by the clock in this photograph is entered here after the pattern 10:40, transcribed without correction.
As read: 2:24
